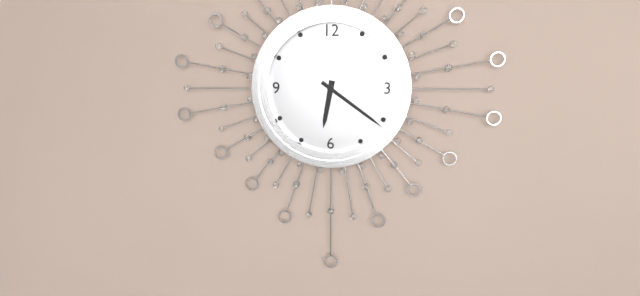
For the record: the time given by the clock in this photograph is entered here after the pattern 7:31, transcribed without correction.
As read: 6:21
